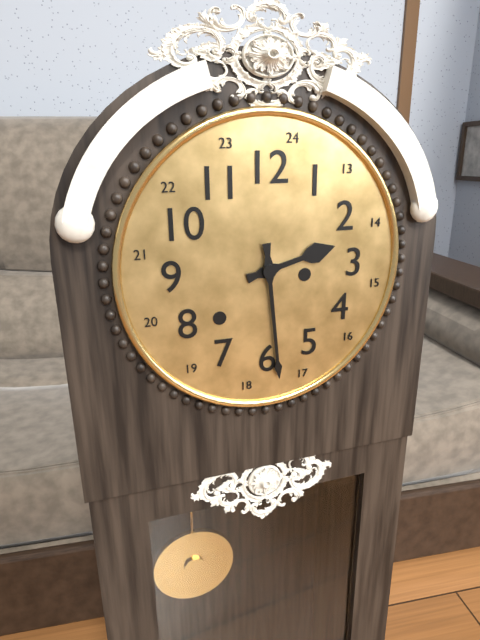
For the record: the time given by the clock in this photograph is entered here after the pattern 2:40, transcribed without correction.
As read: 2:29
